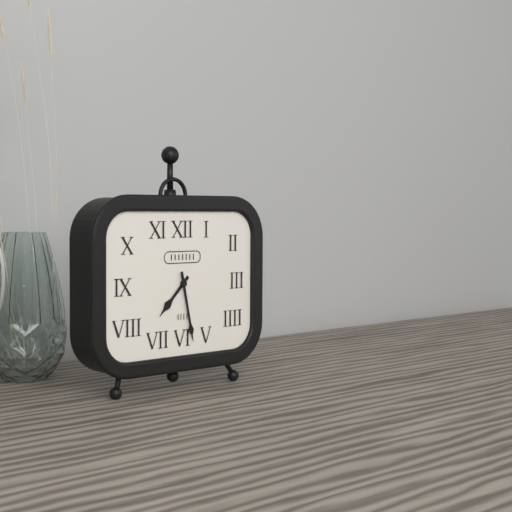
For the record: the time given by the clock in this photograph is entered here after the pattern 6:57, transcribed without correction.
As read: 7:28
